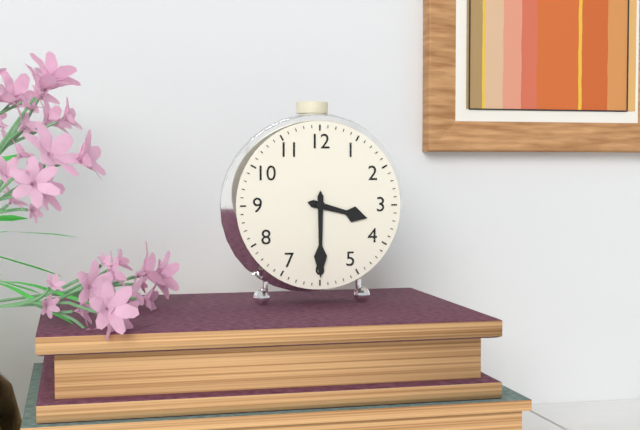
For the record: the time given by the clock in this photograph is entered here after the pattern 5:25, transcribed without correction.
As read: 3:30
